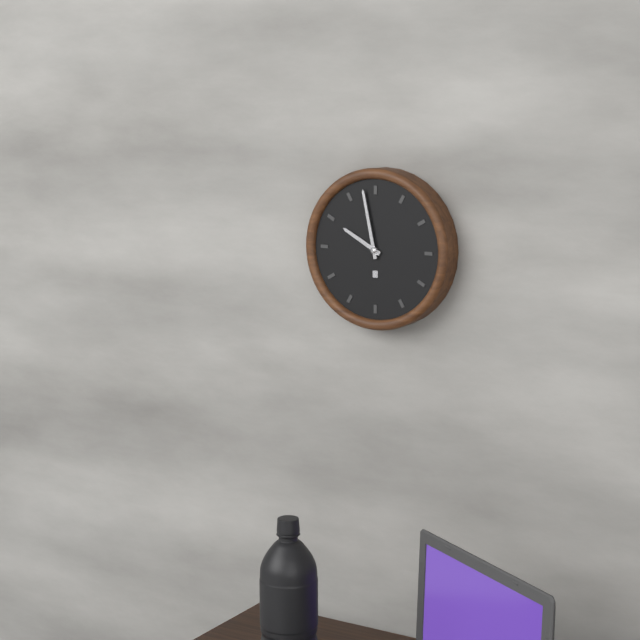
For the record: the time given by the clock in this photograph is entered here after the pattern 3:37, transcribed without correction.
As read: 9:58
